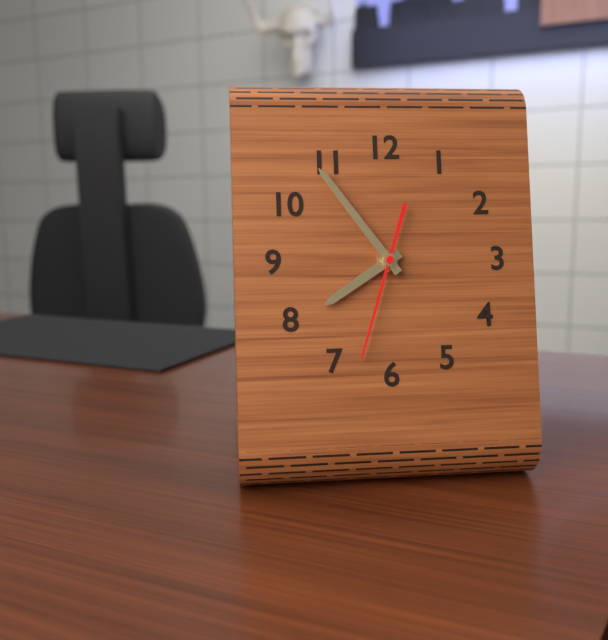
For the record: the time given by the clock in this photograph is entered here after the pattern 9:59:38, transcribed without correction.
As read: 7:54:33
